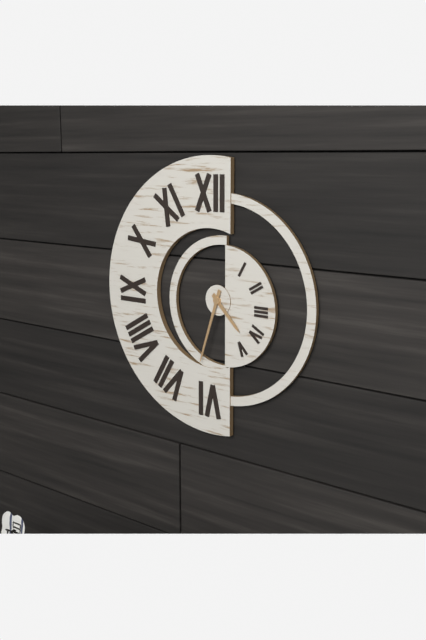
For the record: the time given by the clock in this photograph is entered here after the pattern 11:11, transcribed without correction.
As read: 4:33
